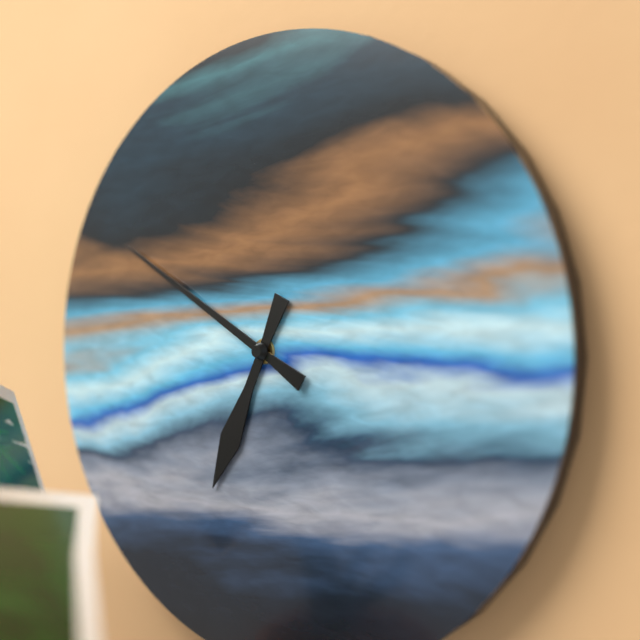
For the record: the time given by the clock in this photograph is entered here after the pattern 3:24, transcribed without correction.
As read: 6:50
